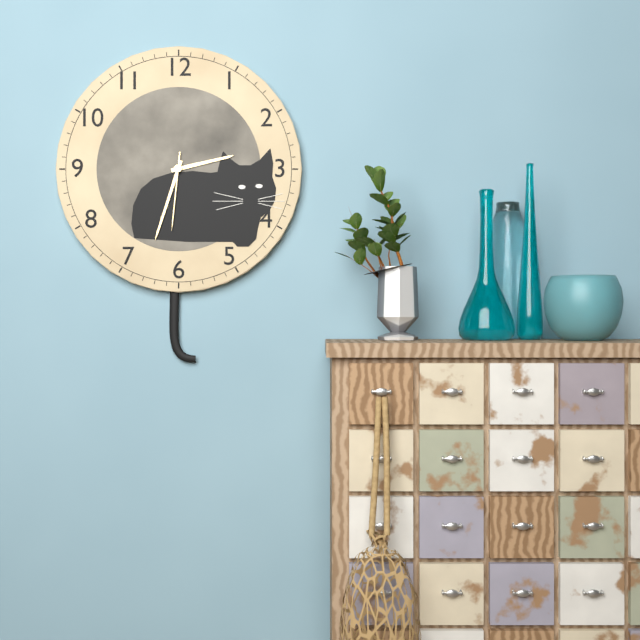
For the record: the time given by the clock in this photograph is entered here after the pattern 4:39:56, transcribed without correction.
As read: 2:33:31
